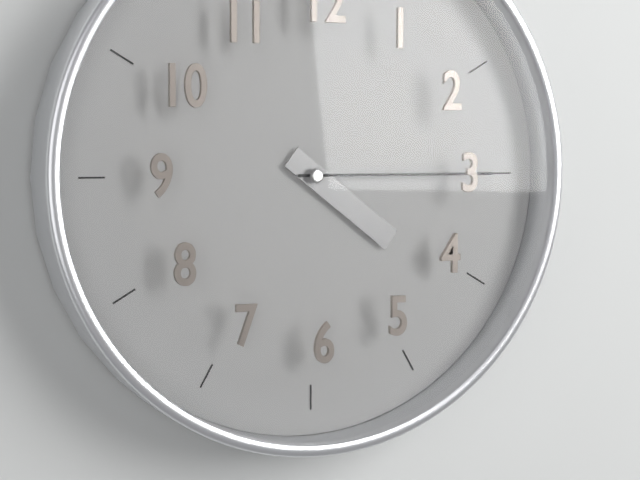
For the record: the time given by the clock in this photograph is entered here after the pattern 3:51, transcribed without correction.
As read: 4:15
